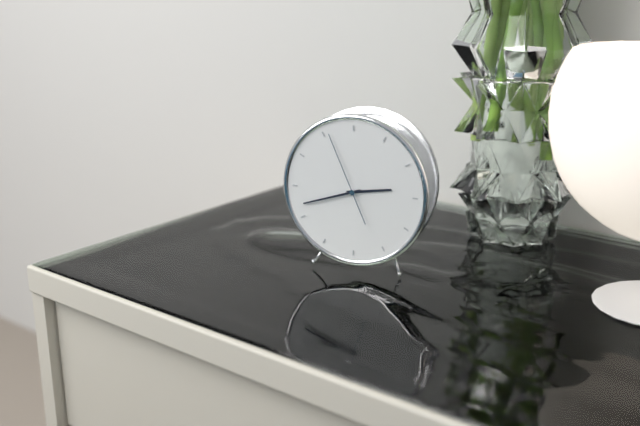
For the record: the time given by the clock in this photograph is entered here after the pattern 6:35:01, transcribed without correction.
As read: 2:42:56
